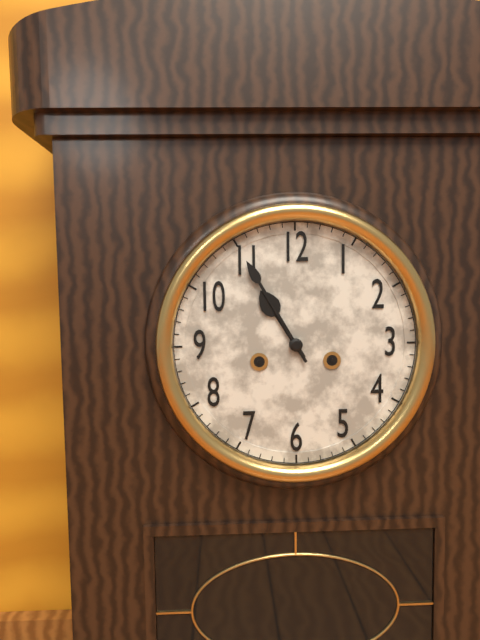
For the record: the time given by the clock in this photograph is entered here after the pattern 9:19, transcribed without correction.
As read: 10:55
